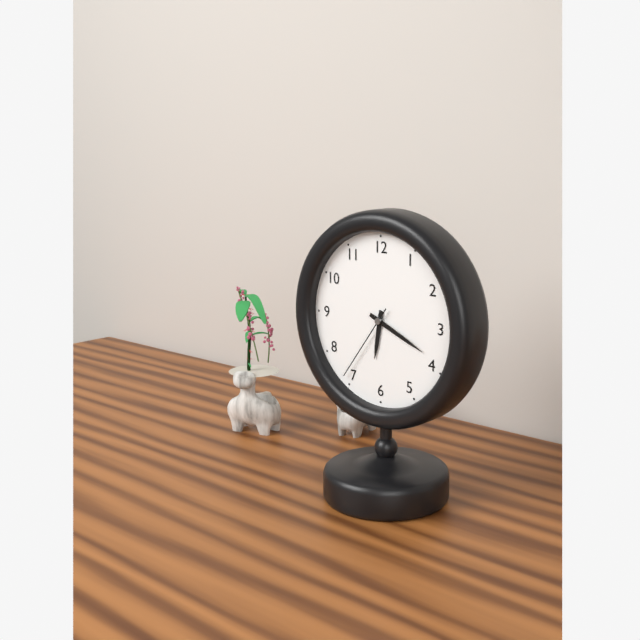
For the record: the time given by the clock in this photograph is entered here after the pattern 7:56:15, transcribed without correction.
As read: 6:19:36
